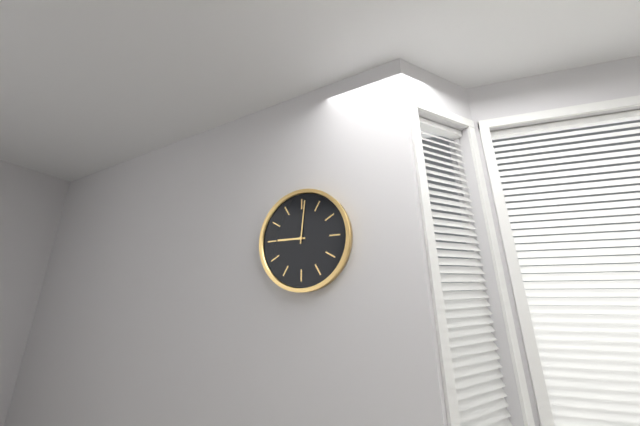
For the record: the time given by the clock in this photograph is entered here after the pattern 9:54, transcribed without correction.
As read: 9:01
